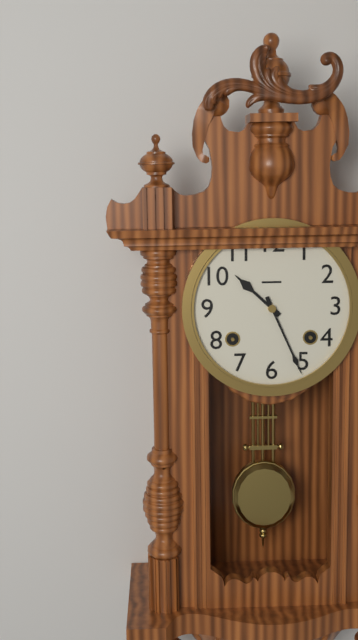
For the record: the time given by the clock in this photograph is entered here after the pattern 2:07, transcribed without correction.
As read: 10:26
